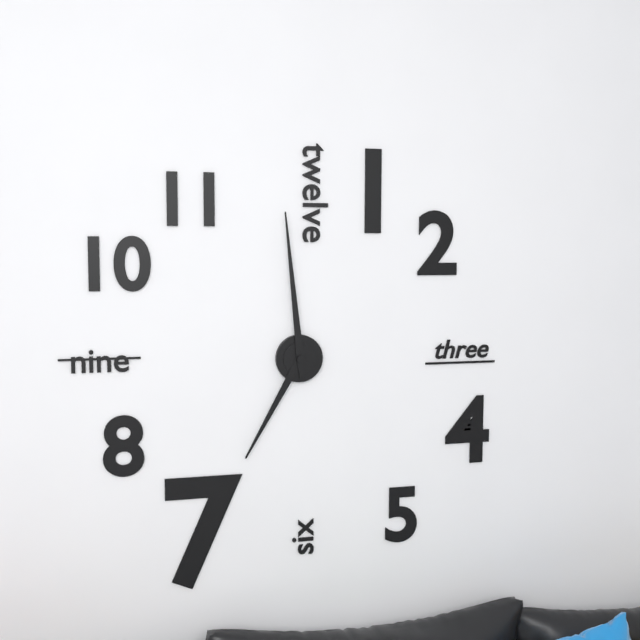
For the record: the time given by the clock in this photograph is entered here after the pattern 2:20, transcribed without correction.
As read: 6:59
